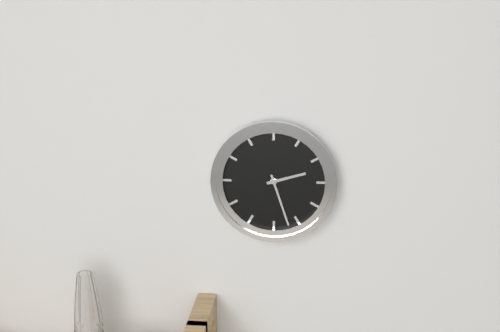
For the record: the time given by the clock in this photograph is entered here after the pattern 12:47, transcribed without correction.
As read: 2:27
